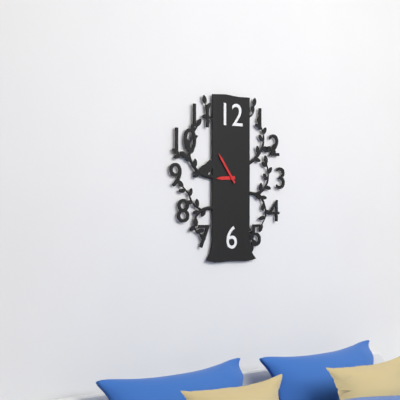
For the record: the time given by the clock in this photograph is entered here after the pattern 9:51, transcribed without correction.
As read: 8:54
